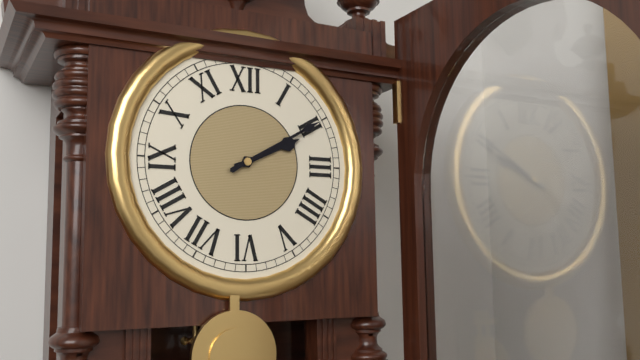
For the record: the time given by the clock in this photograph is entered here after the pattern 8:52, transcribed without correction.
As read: 2:10
